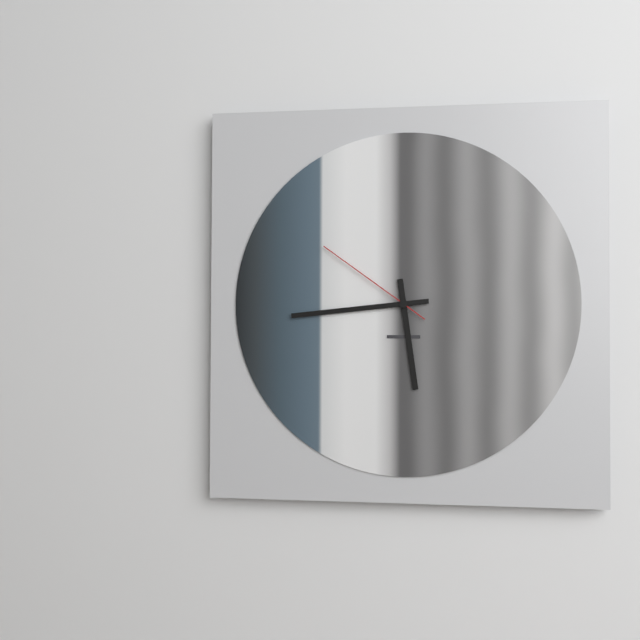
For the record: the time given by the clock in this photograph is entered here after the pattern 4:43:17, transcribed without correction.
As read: 5:44:51
